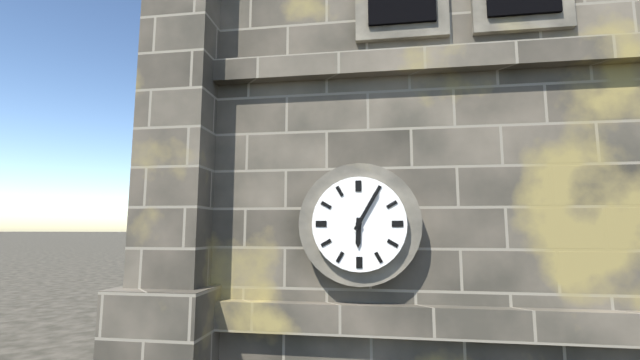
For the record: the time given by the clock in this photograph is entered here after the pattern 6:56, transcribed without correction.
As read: 6:05
